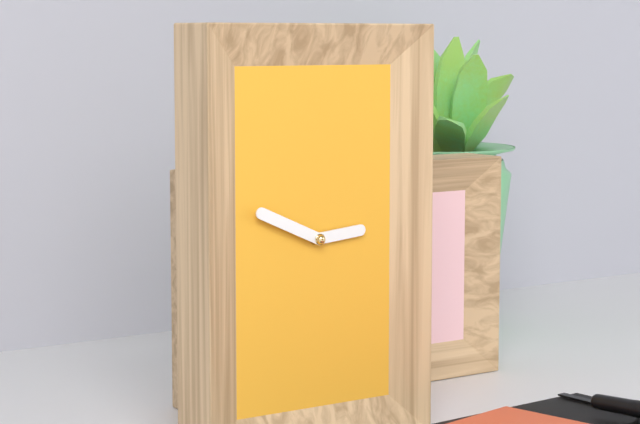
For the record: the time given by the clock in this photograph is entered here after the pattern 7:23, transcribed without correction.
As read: 2:49
